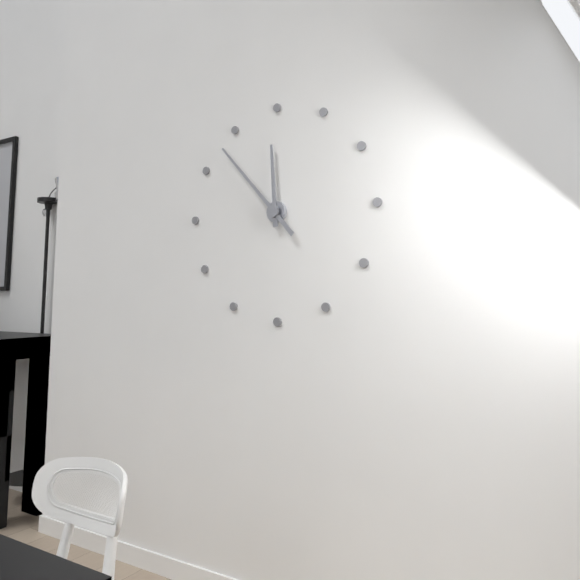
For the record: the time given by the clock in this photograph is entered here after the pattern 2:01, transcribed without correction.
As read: 11:53
